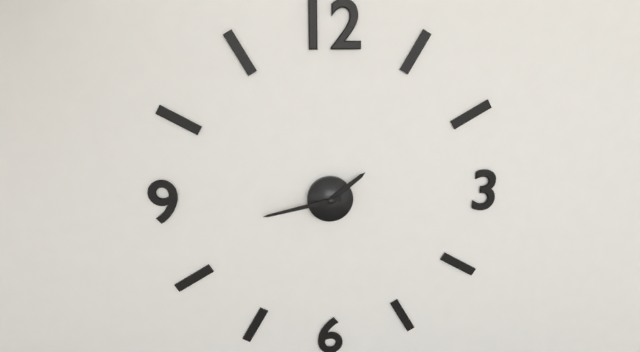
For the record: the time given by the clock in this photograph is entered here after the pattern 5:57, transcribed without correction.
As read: 1:43
